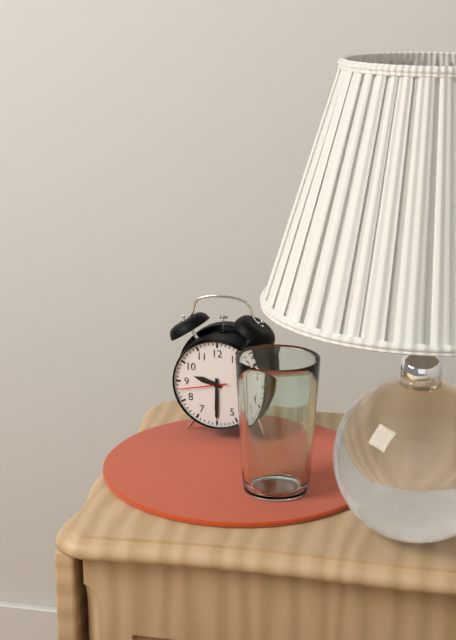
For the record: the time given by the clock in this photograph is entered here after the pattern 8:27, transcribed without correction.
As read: 9:30
